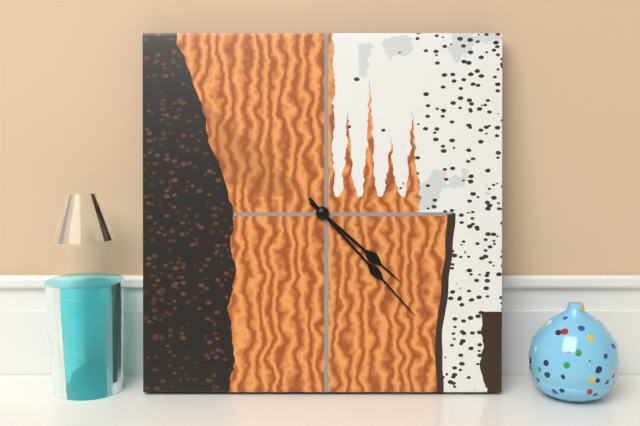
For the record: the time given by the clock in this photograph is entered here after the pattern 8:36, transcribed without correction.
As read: 4:23
